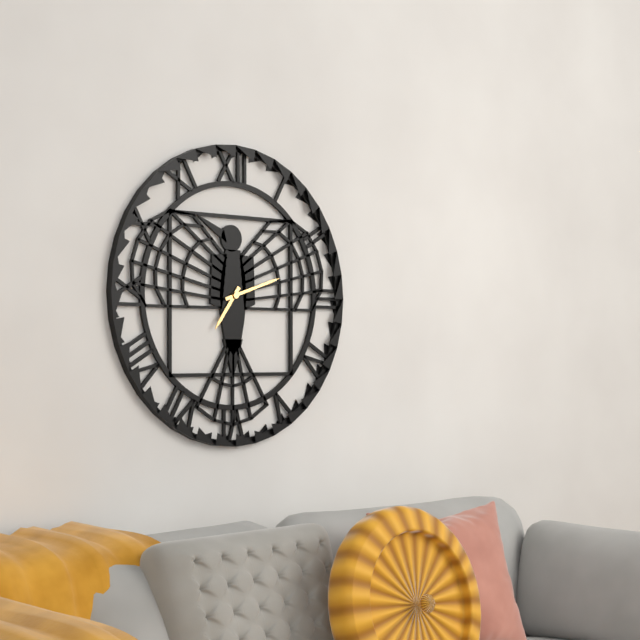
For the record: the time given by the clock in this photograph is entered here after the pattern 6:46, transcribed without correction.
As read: 7:12
